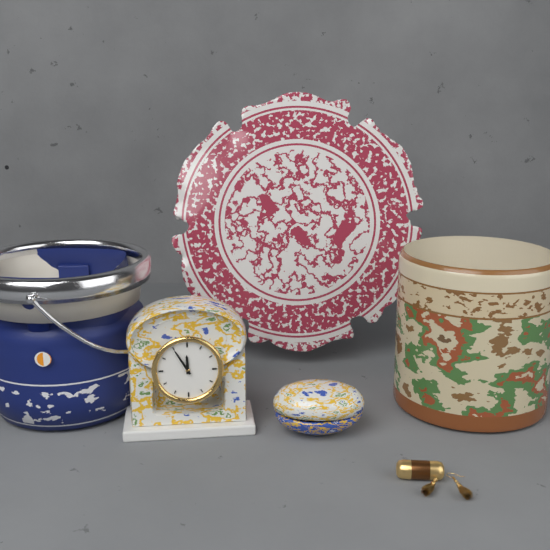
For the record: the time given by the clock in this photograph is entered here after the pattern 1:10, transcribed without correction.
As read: 11:55
